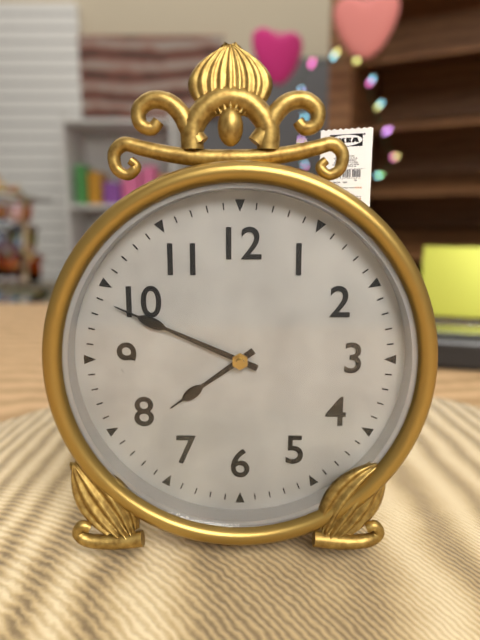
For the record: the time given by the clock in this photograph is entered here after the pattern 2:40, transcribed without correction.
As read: 7:49
